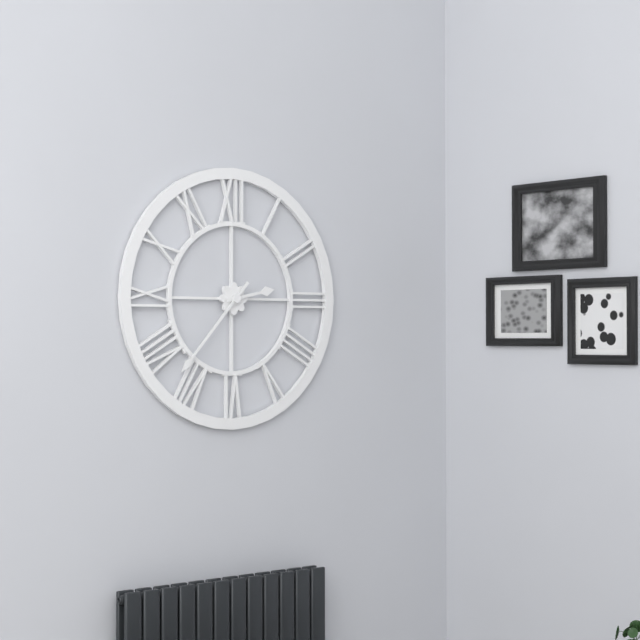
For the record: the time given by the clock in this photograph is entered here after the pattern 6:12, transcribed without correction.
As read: 2:37
